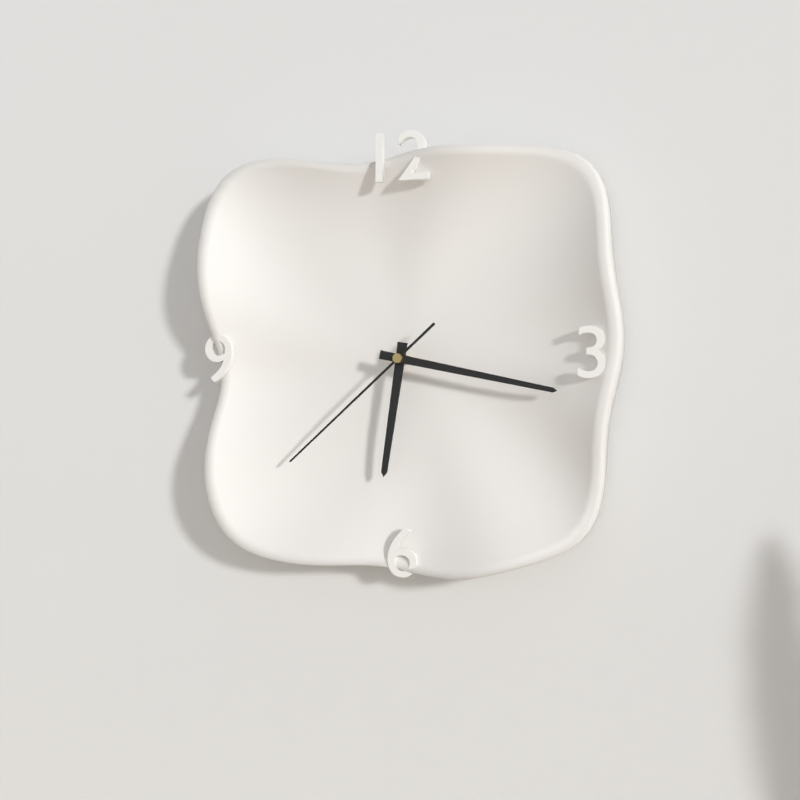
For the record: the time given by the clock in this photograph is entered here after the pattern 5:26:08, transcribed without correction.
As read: 6:17:38
